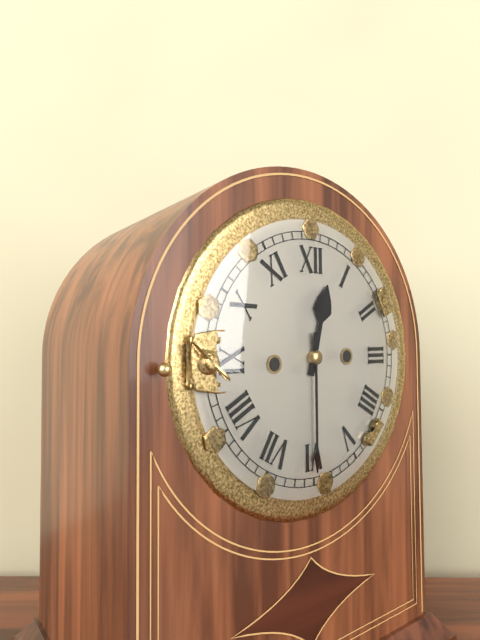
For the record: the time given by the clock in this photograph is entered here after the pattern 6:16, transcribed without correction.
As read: 12:30
